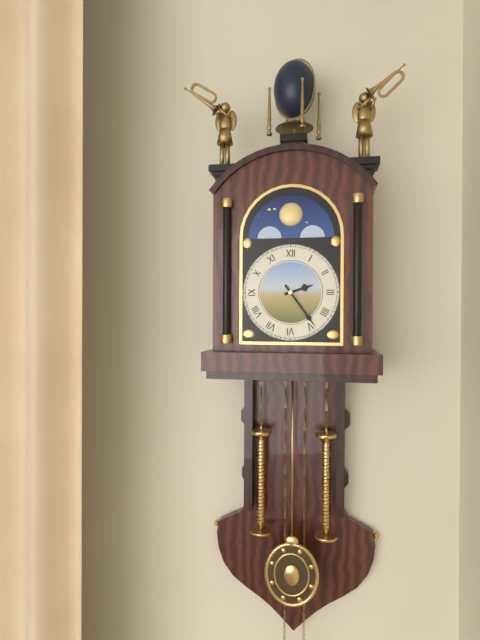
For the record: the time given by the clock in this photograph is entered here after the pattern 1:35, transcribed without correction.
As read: 2:24
